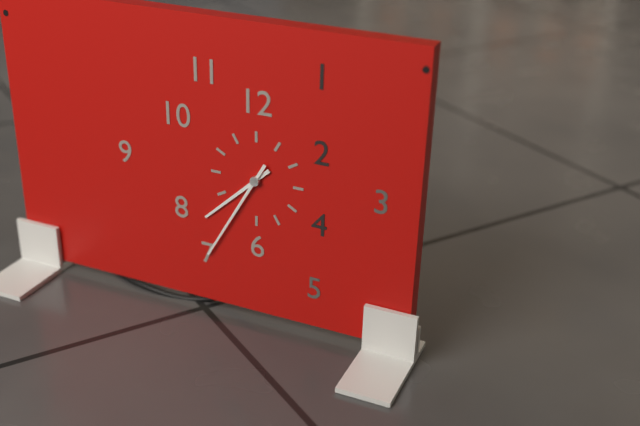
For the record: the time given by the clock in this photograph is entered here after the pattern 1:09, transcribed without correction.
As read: 7:35
